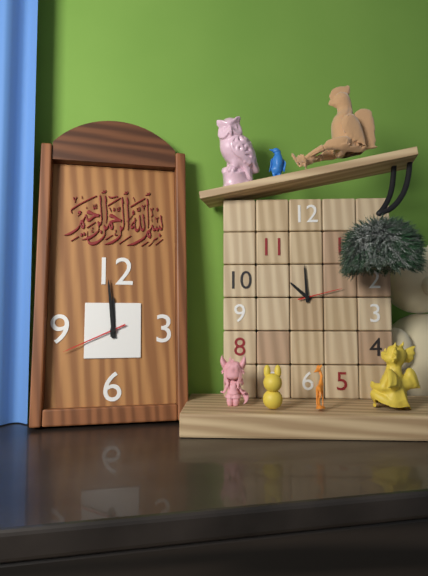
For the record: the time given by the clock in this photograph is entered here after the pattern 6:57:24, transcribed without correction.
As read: 11:59:41
